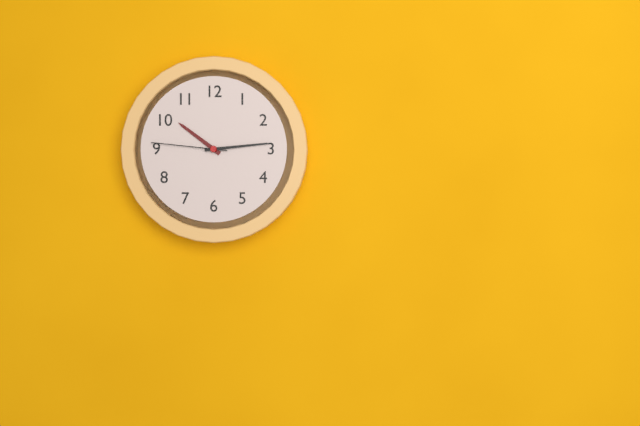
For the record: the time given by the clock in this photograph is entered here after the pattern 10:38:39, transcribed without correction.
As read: 10:14:46
